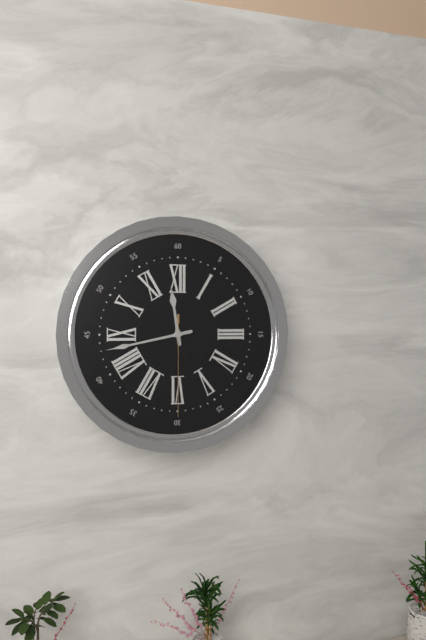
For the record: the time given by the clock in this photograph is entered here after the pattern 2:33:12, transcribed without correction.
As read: 11:43:30
